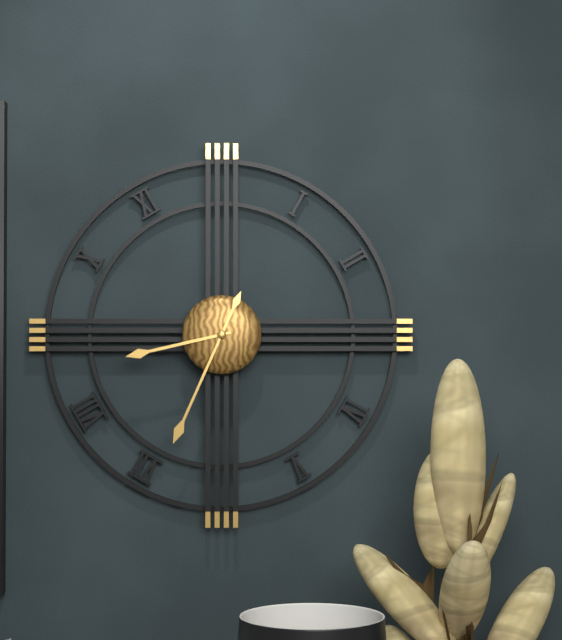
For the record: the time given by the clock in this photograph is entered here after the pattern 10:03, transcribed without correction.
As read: 8:34
